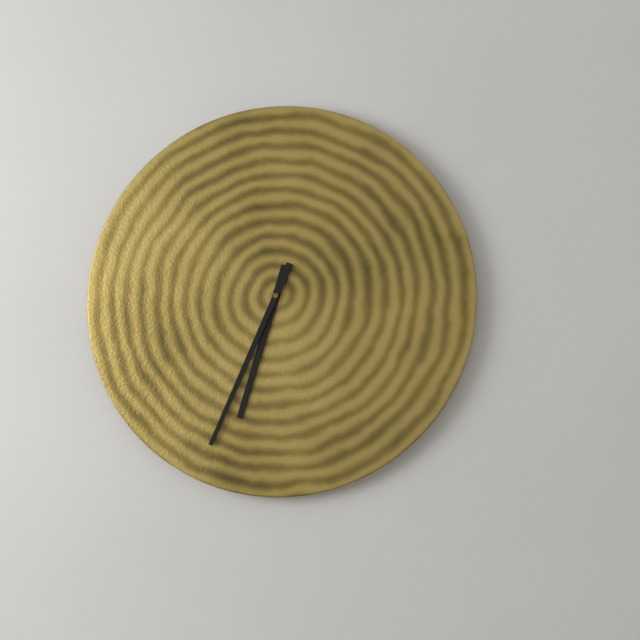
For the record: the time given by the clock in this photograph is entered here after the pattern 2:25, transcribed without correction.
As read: 6:34
